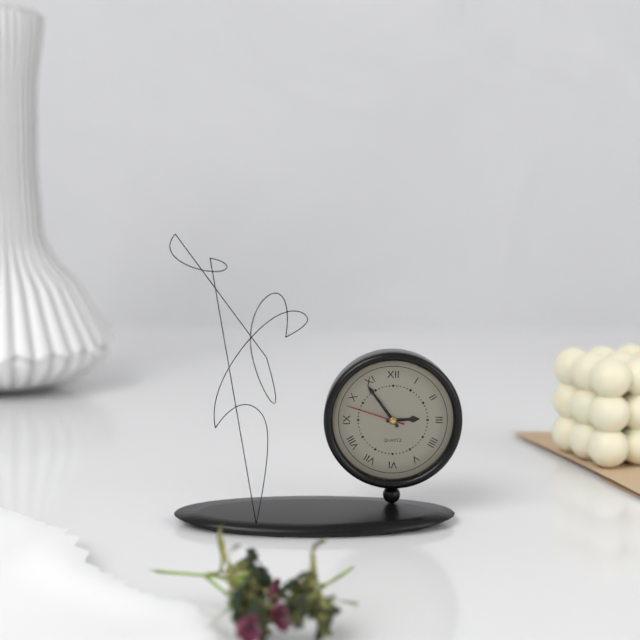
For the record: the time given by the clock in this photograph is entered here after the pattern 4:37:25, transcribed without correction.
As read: 2:54:48
